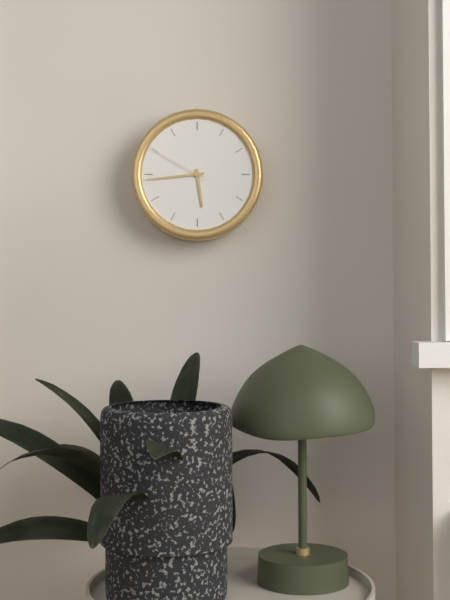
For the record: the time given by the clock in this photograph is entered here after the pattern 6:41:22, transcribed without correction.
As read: 5:44:50
